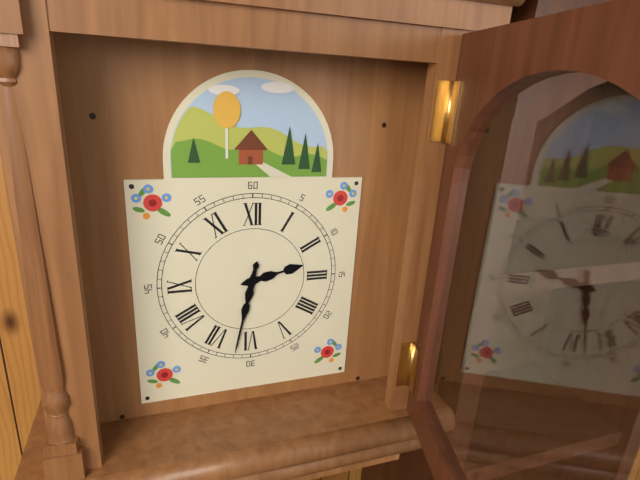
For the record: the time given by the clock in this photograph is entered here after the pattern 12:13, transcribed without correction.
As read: 2:32
